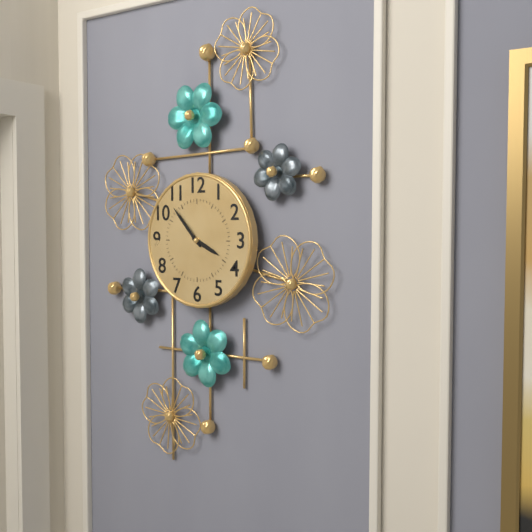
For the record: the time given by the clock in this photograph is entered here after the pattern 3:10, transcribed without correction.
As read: 3:53
